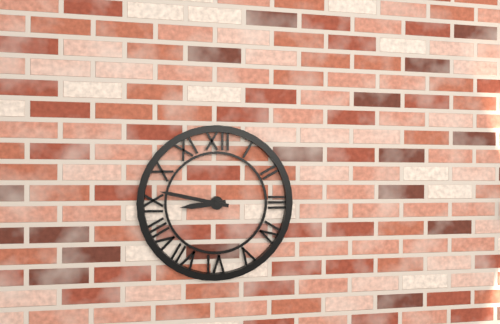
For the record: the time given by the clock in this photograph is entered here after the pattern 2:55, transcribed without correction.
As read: 8:47
